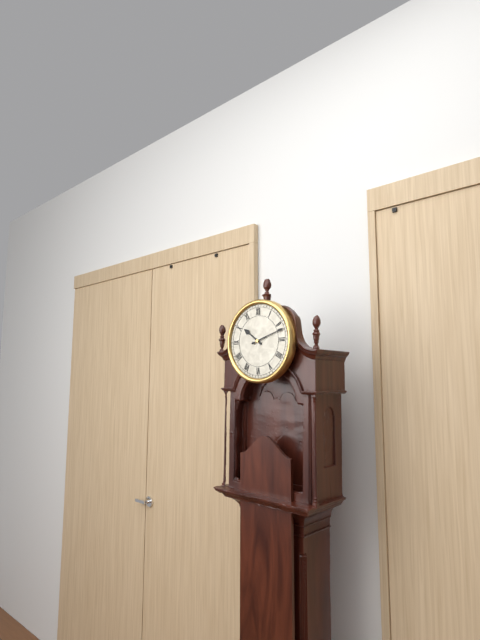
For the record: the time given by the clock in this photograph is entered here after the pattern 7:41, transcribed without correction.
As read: 10:12
